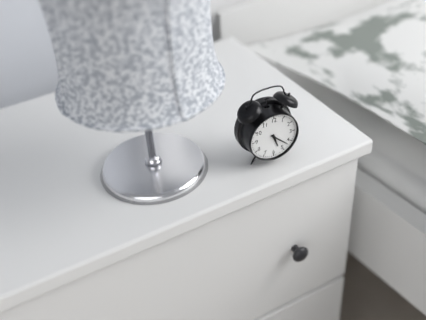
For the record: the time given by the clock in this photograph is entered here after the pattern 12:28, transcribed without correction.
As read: 5:22
